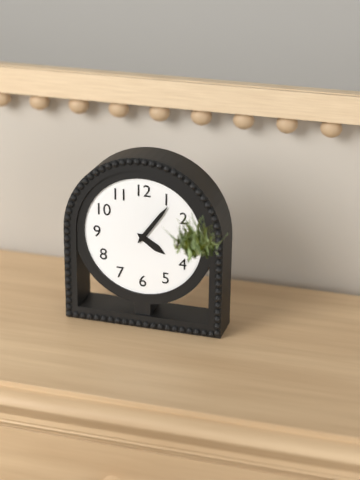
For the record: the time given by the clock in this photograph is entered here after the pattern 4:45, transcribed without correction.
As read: 4:06
